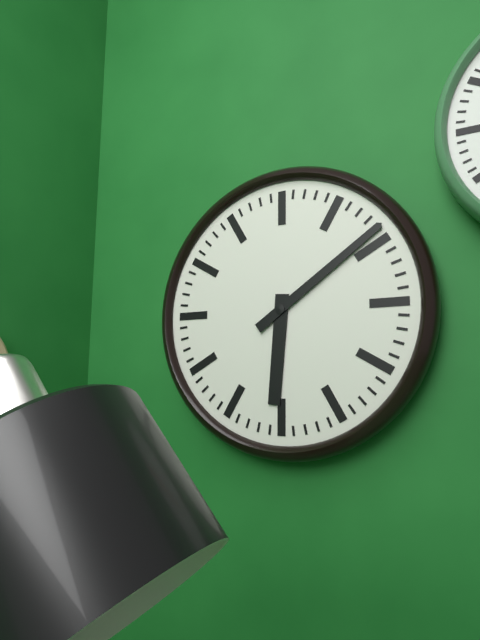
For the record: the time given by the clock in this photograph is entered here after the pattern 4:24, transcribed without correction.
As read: 6:09
